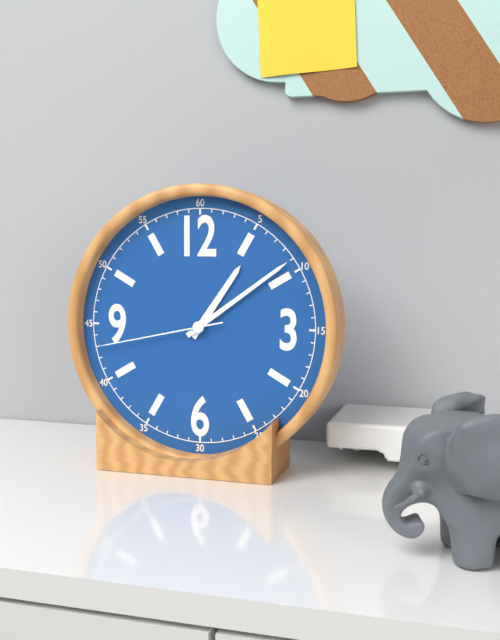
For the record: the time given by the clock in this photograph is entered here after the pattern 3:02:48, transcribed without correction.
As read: 1:09:43
